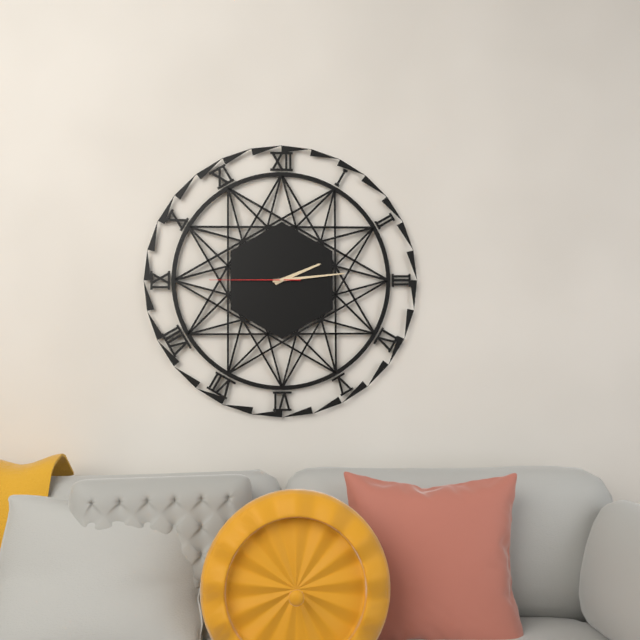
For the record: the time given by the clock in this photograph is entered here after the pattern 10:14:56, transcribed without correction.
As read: 2:14:45
